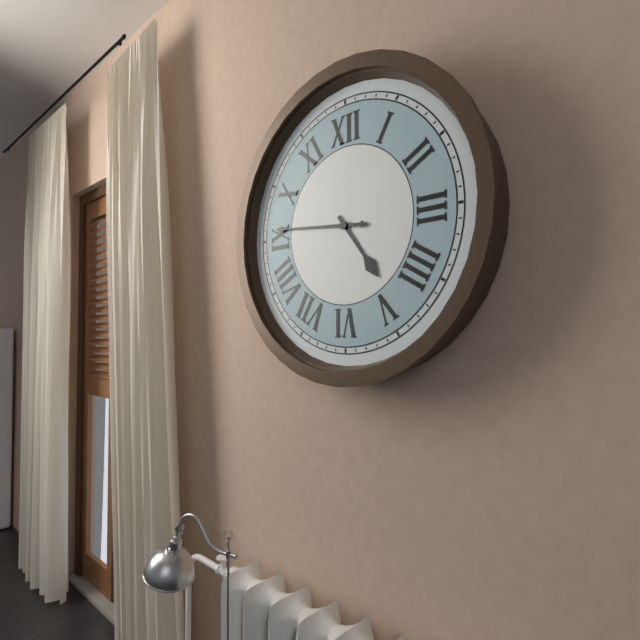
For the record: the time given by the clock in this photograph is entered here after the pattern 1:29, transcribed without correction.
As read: 4:46
